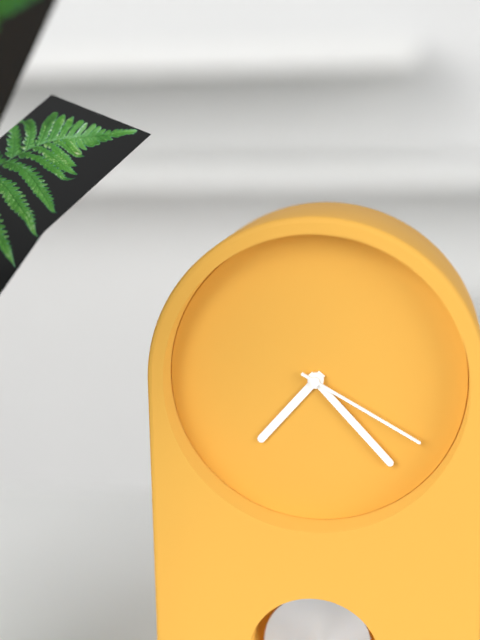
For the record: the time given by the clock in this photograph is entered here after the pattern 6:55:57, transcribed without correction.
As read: 7:23:20
